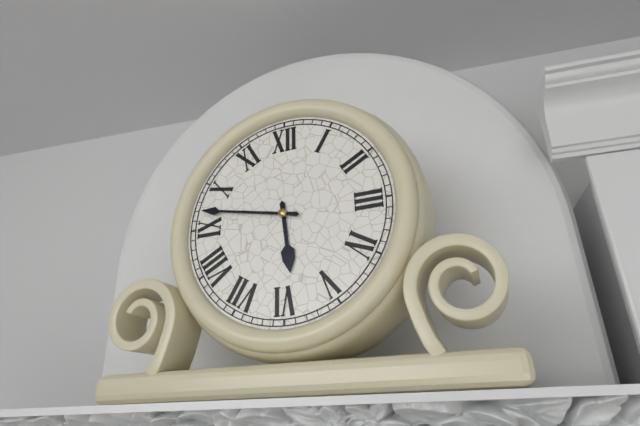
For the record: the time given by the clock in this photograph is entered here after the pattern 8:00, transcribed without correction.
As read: 5:47
